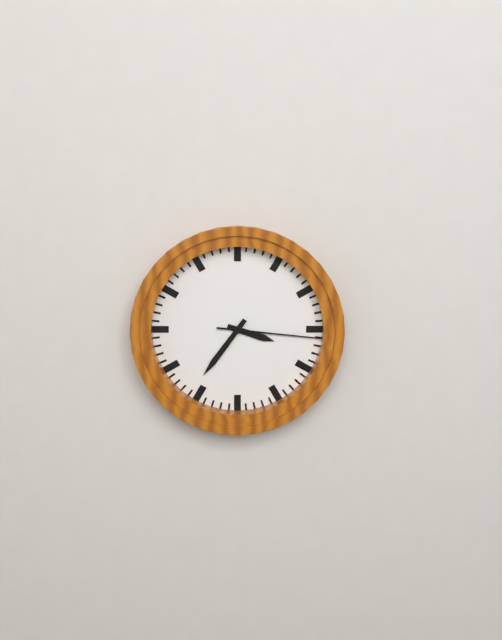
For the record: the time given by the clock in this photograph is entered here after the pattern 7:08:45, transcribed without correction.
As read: 3:36:16
